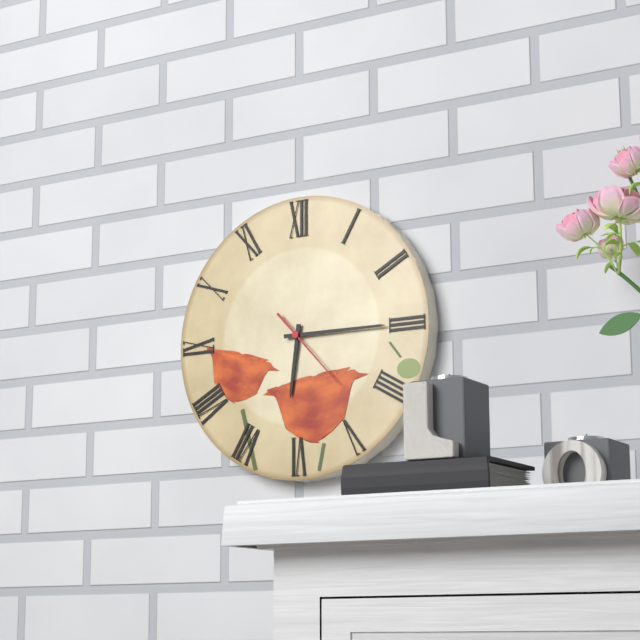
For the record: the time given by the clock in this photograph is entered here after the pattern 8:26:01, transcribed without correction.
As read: 6:15:23
